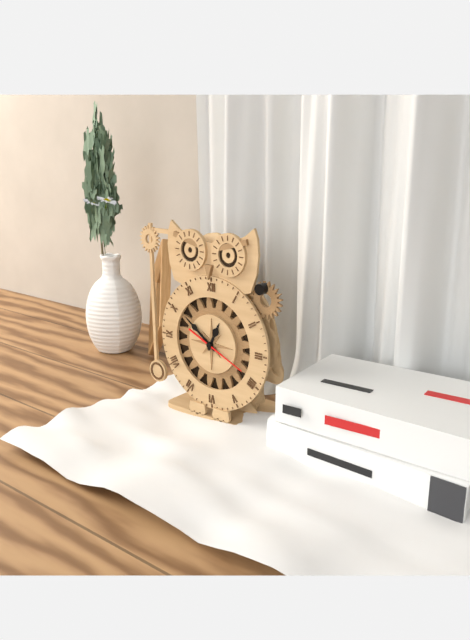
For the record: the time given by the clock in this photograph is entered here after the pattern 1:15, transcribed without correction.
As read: 12:51
